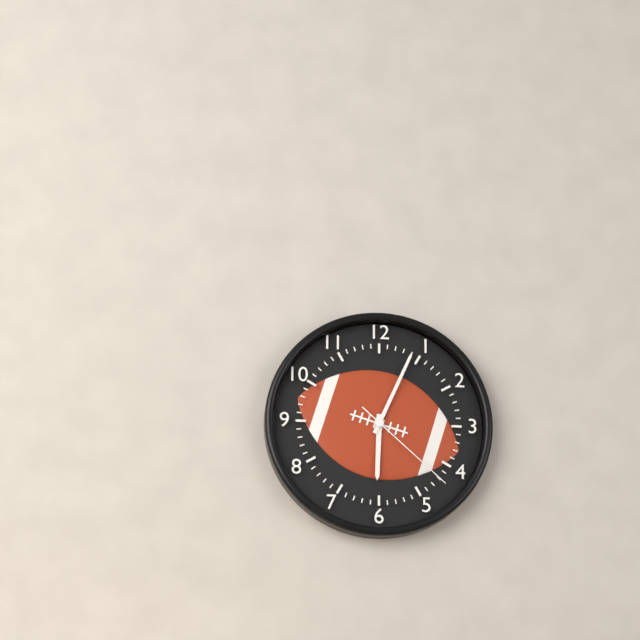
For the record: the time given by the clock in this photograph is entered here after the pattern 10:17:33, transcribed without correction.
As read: 6:04:22
